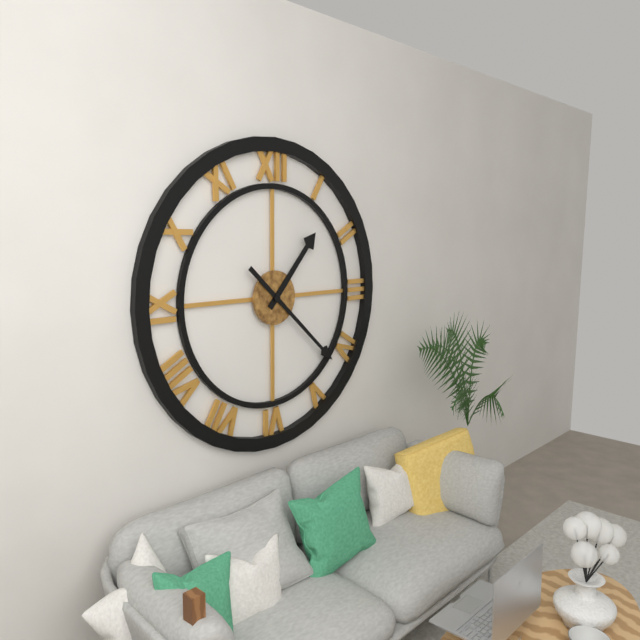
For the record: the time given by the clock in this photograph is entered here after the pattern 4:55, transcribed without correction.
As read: 1:22
